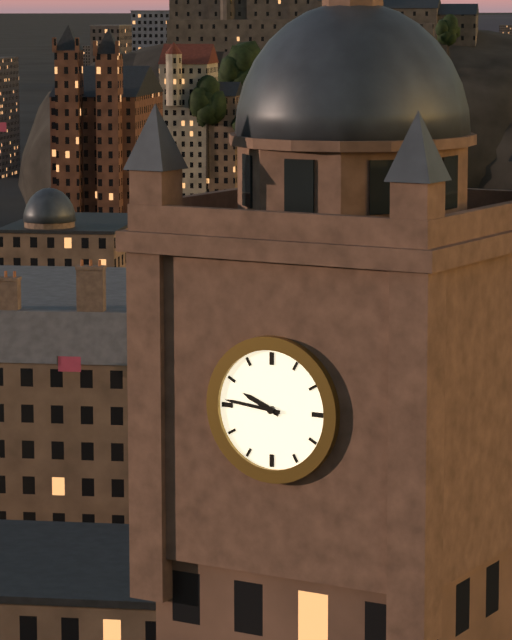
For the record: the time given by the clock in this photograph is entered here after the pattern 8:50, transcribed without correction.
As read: 9:46
